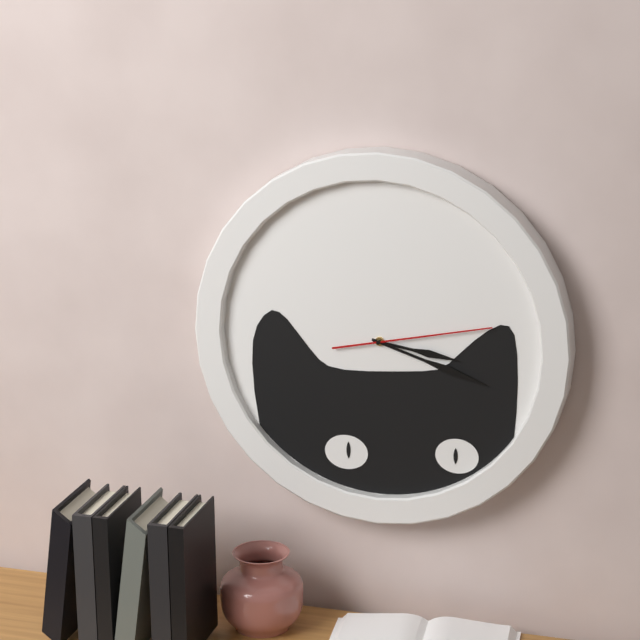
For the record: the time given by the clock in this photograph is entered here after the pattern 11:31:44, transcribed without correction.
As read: 3:18:13
